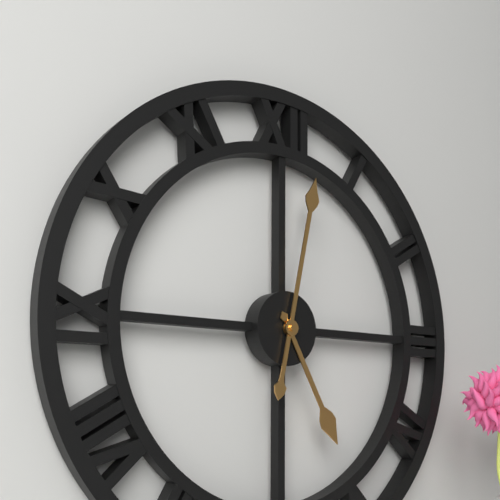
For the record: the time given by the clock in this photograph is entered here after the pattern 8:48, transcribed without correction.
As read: 5:02
